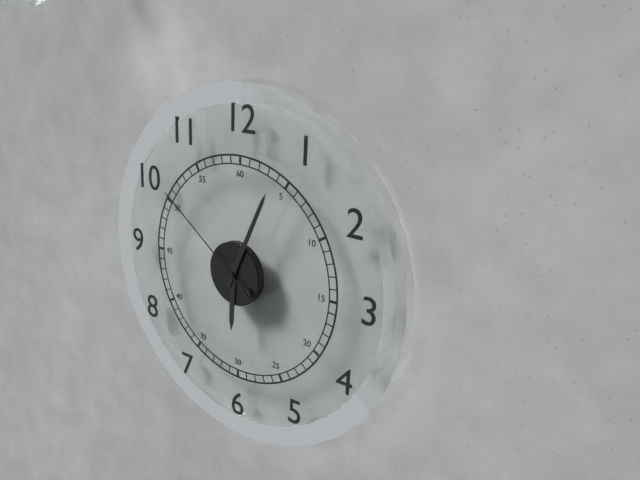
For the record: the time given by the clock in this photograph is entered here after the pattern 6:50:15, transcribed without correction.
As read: 6:04:51
